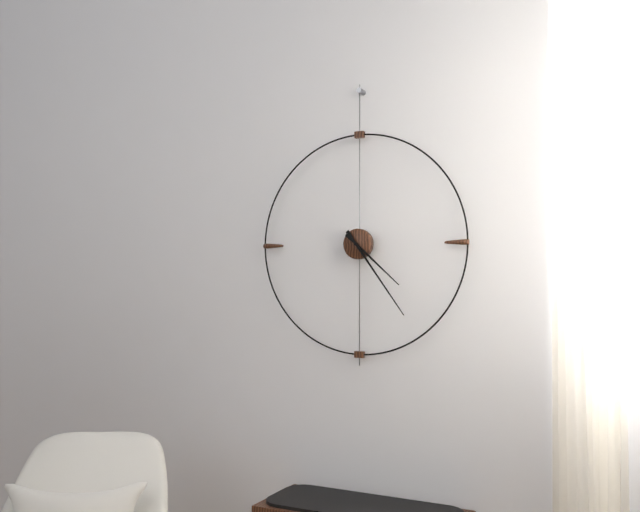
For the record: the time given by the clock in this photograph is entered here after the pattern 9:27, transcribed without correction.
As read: 4:24
